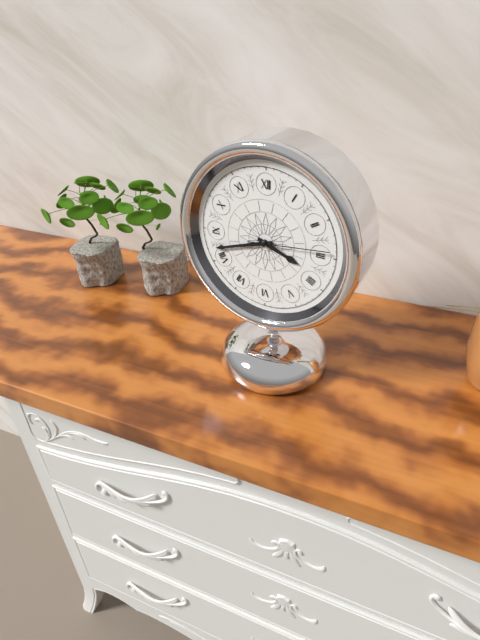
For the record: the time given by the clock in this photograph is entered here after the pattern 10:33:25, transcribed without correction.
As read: 3:42:14
